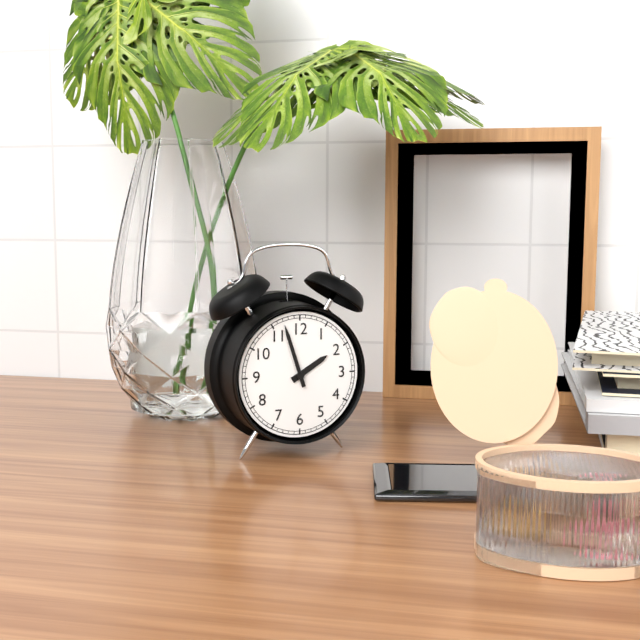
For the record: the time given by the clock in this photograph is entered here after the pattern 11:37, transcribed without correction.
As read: 1:57
